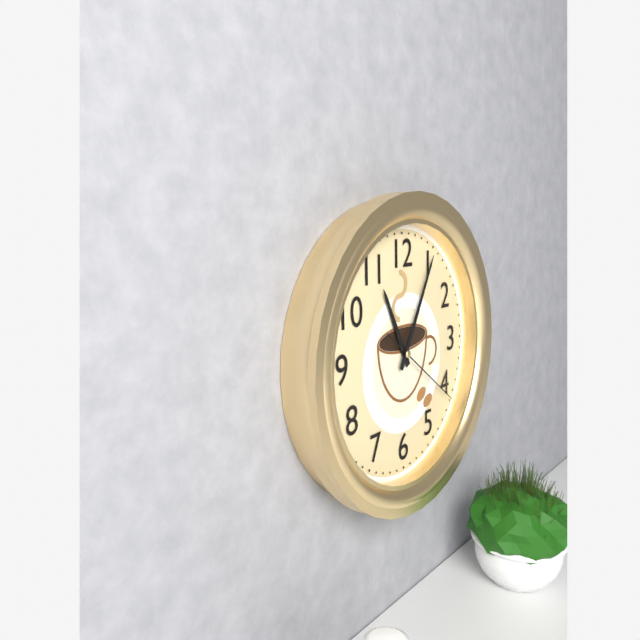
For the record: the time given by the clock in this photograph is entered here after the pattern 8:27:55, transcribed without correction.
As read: 11:05:21
